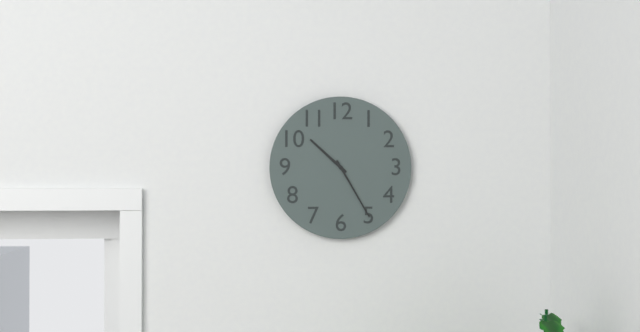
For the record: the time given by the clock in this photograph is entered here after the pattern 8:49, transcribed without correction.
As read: 10:25
